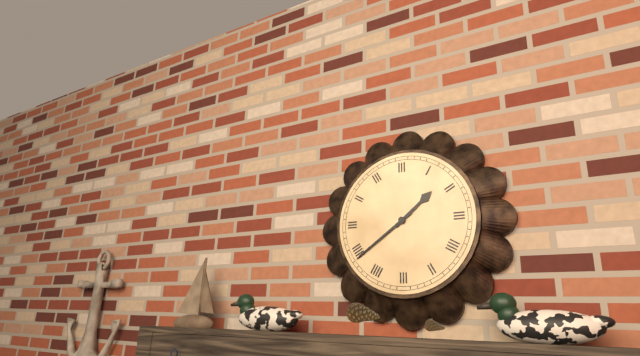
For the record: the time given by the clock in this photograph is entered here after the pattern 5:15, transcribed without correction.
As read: 1:39
